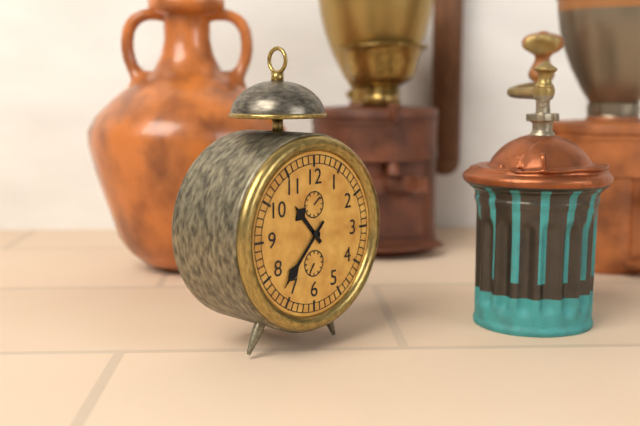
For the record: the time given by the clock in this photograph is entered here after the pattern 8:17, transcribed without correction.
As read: 10:37
